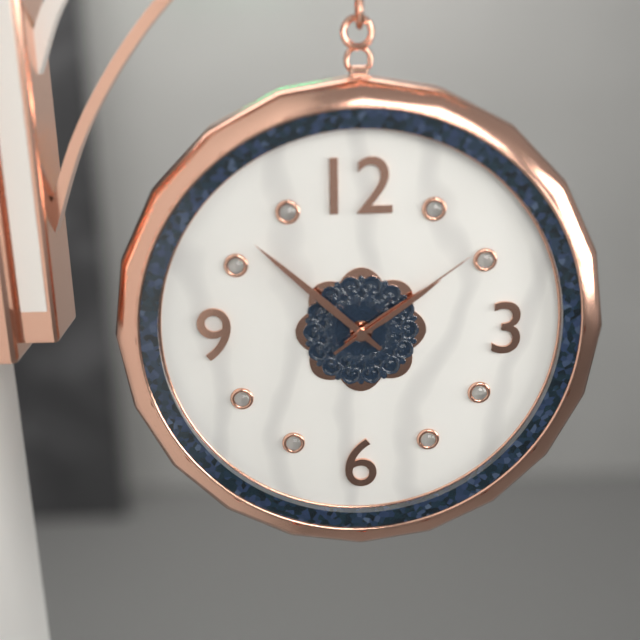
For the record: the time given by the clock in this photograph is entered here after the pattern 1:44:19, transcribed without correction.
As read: 1:52:09
